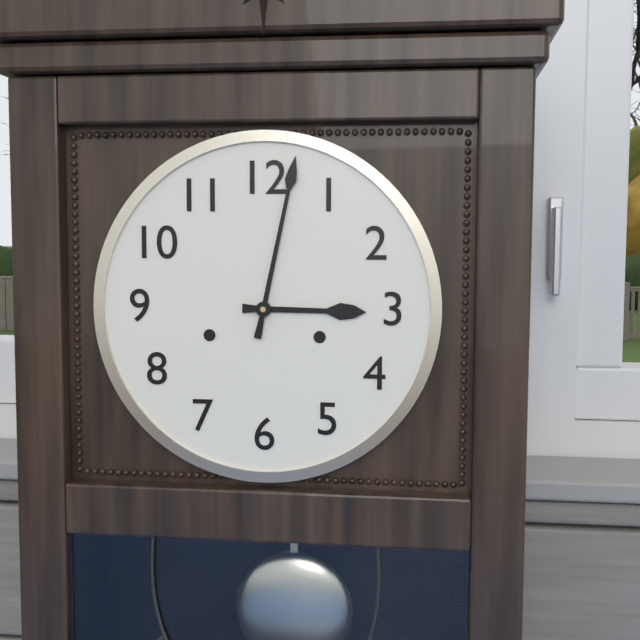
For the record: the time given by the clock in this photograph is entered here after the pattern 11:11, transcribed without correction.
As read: 3:02
